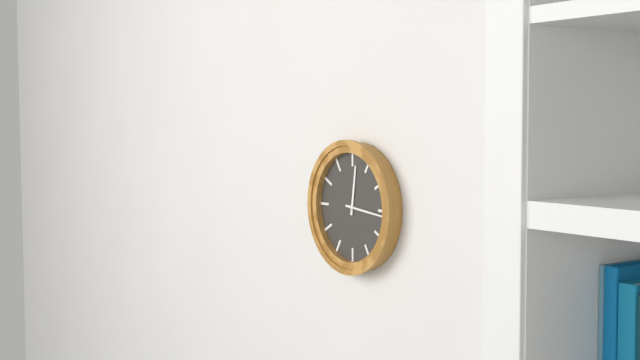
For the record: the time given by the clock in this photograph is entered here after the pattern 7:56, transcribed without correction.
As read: 12:16
